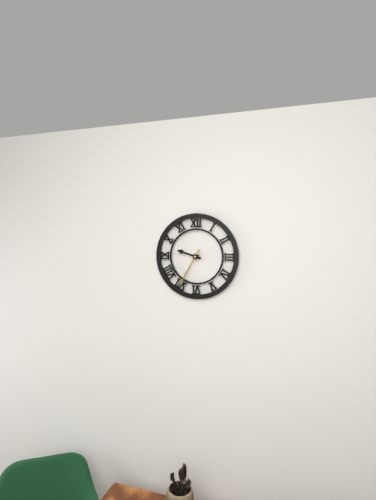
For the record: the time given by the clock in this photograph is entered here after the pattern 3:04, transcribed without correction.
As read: 9:35
